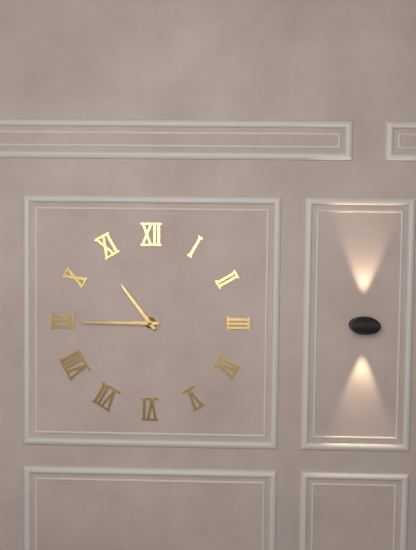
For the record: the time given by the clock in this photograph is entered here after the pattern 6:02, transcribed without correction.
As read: 10:45
